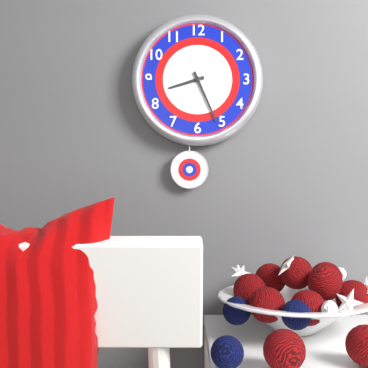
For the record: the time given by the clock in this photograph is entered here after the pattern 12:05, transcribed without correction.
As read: 8:26
